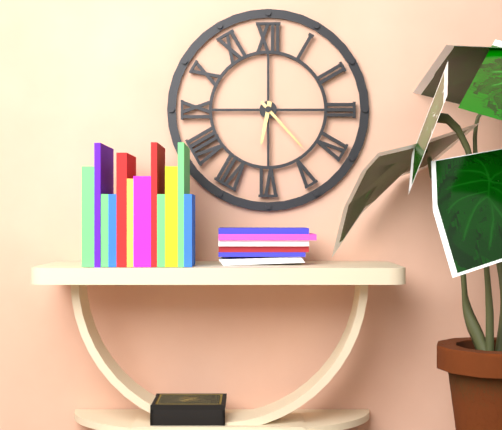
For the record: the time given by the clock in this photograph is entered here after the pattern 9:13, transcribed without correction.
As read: 6:23
